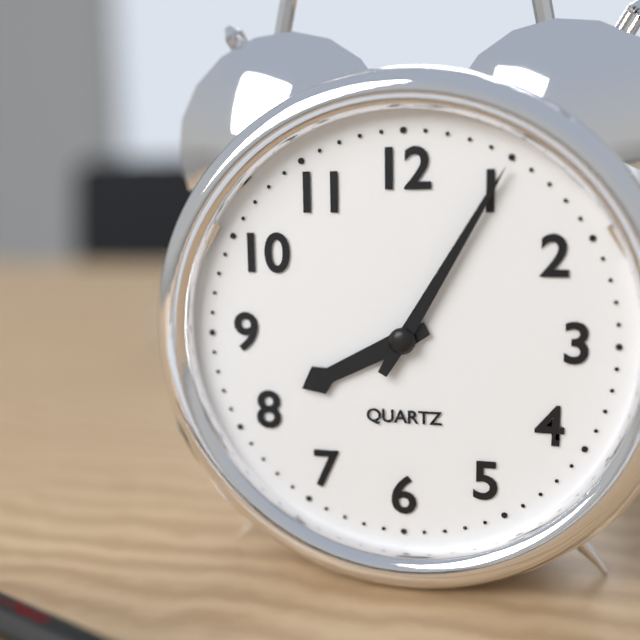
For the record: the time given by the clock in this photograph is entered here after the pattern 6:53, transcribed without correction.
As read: 8:05
